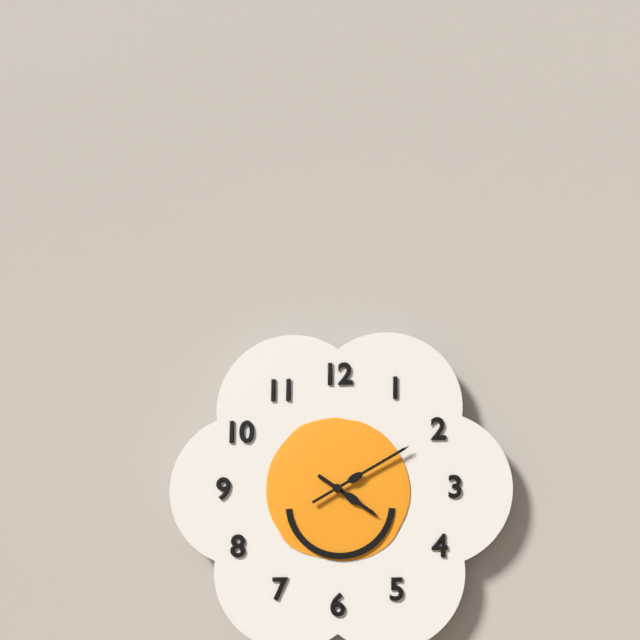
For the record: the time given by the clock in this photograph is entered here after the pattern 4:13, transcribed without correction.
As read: 4:10
